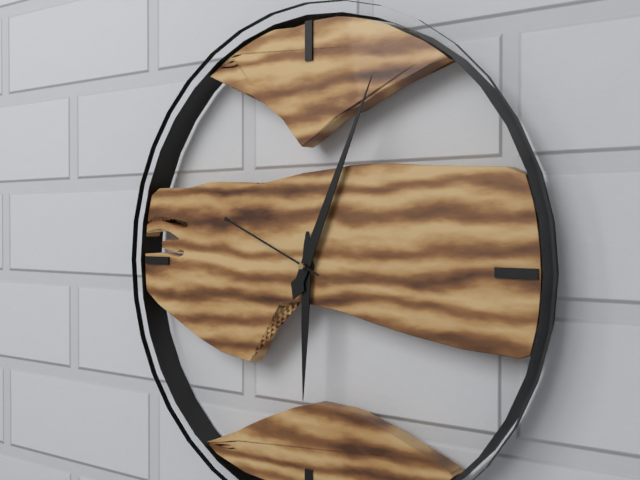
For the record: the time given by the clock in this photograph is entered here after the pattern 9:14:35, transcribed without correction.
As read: 6:04:49
